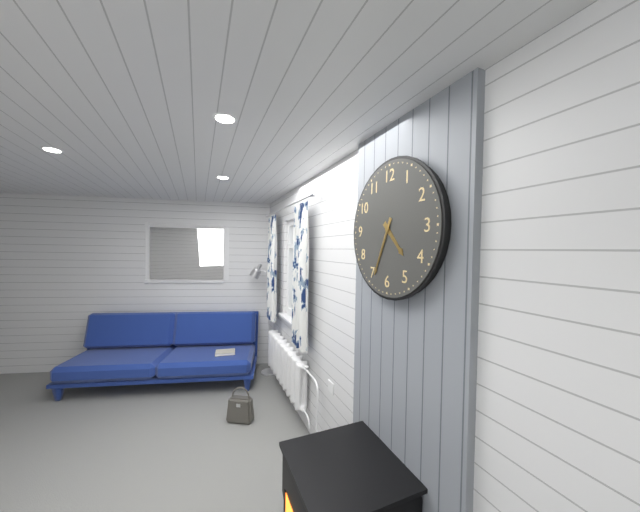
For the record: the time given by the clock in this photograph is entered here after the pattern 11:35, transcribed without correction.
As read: 4:34
